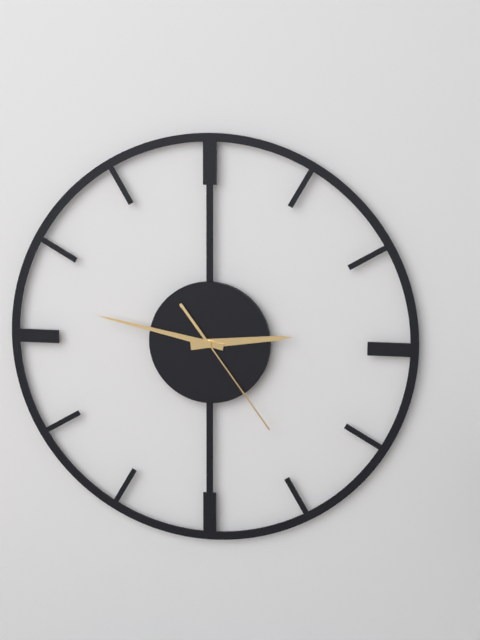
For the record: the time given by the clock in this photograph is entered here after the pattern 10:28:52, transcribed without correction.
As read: 2:47:24
